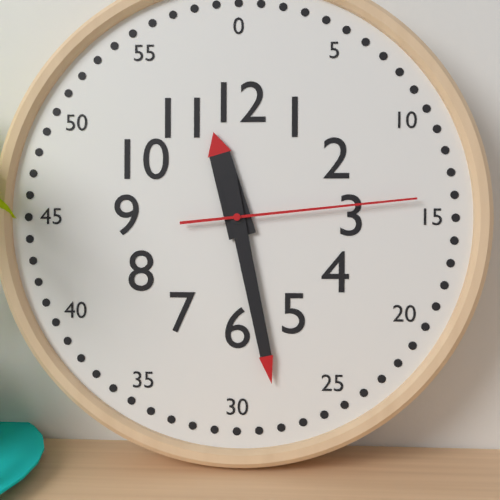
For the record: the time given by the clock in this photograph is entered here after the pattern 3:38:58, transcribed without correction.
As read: 11:28:14
